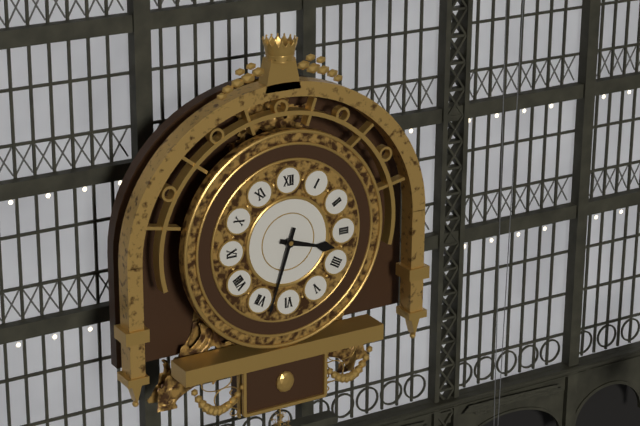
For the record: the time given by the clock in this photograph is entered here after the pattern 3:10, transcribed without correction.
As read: 3:33
